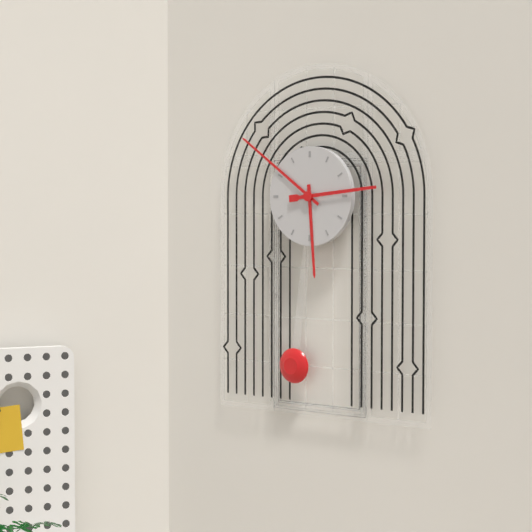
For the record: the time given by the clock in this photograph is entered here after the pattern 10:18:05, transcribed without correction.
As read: 5:51:14
